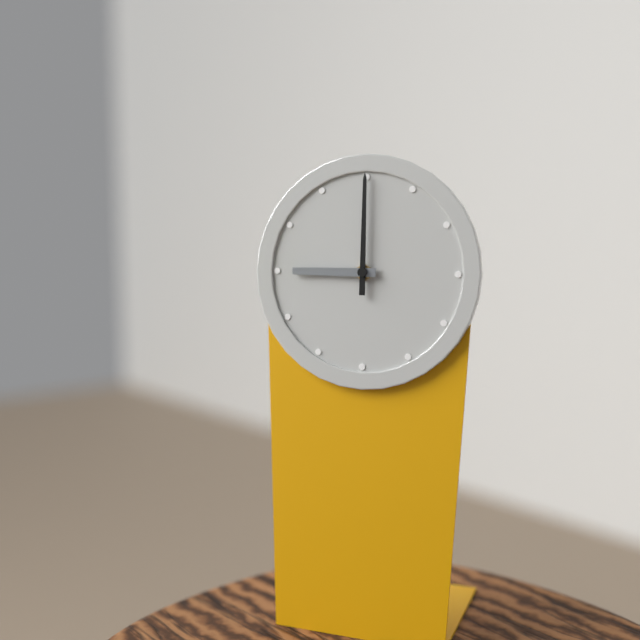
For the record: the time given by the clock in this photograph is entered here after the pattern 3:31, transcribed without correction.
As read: 9:00
